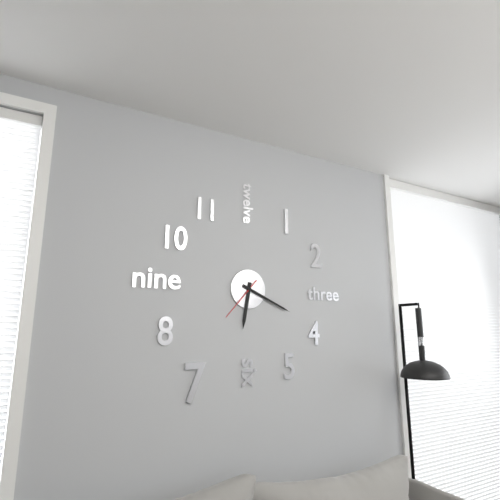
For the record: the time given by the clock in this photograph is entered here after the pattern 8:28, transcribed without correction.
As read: 6:19
